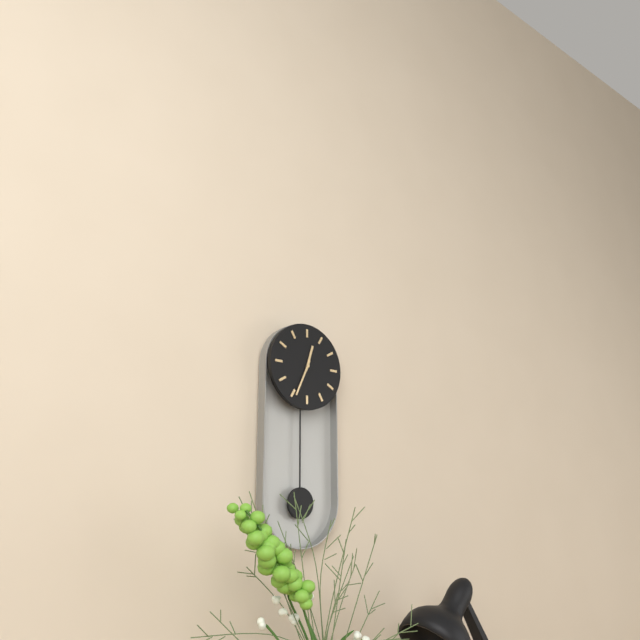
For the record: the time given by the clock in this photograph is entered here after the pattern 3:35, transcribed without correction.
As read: 12:34
